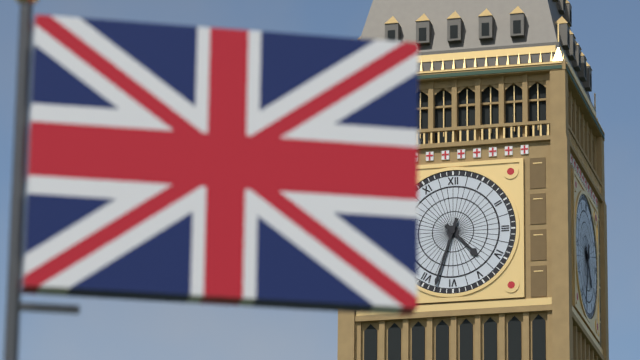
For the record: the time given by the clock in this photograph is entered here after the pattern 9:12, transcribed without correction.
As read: 4:33
